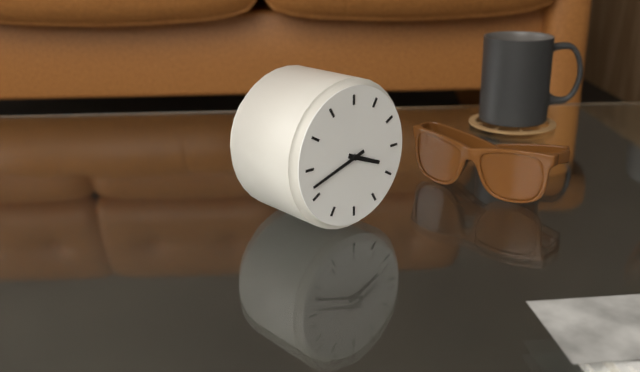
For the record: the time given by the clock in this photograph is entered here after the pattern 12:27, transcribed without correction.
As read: 3:42
